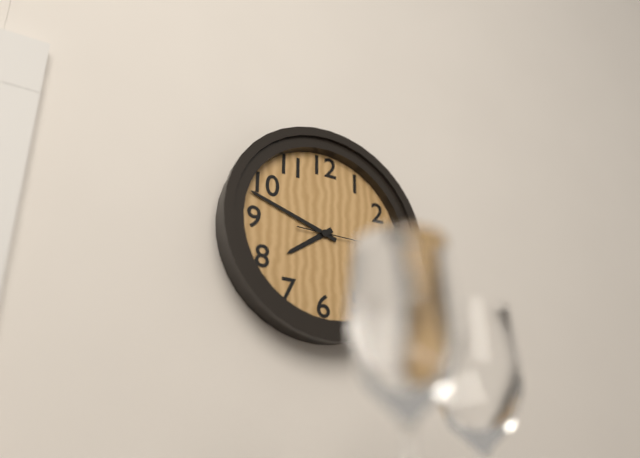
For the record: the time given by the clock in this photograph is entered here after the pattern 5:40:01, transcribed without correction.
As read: 7:48:15
